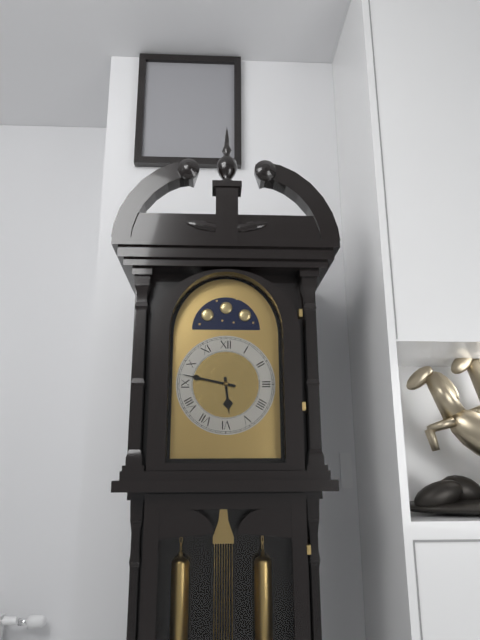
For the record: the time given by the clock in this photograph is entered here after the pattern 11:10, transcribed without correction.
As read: 5:47
